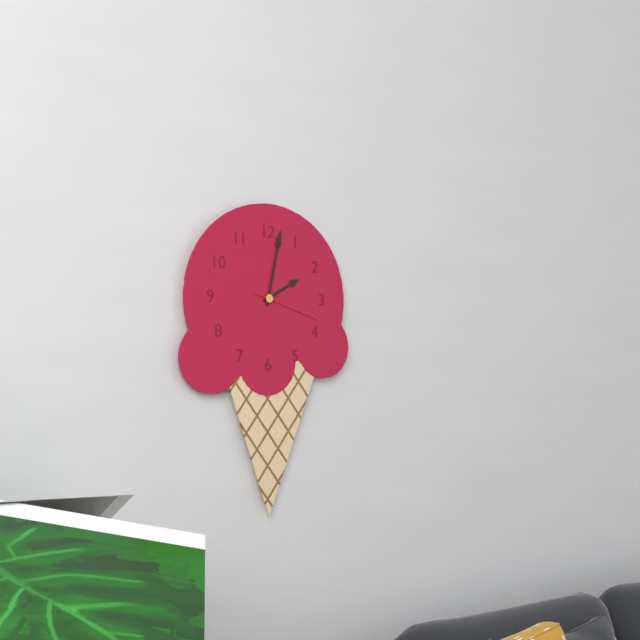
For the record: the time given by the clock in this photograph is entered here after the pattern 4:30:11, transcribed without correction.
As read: 2:02:18
